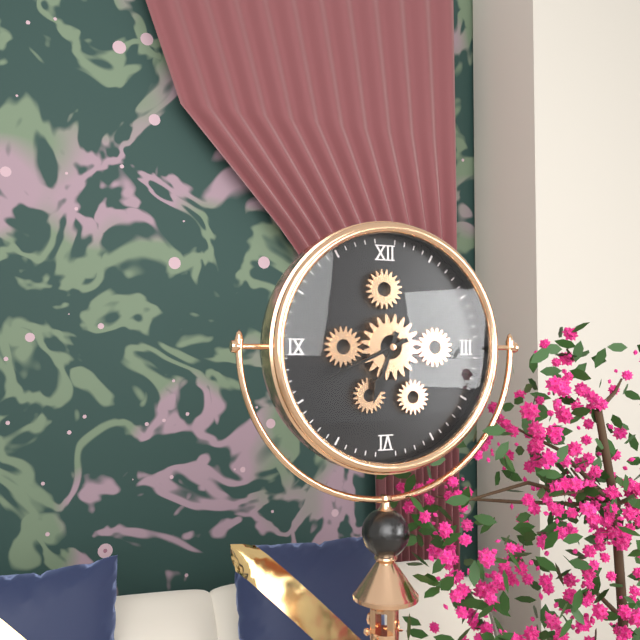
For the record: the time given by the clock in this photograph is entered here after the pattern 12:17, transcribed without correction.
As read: 6:41
